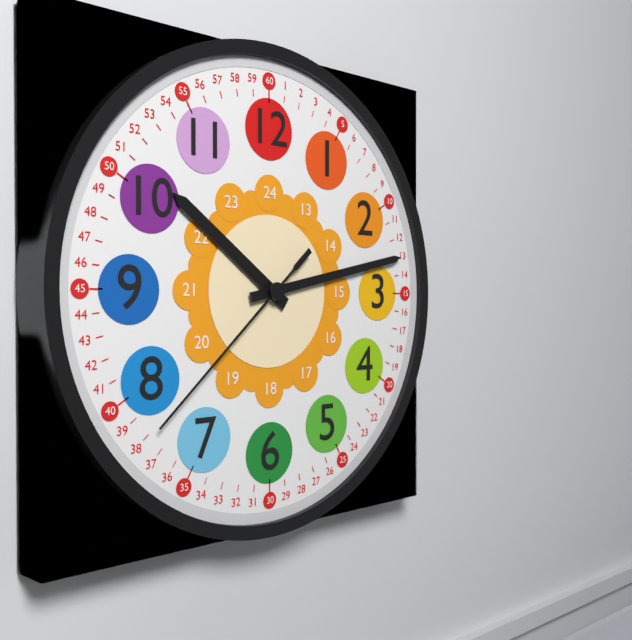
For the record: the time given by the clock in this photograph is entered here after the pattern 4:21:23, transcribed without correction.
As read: 10:13:38
